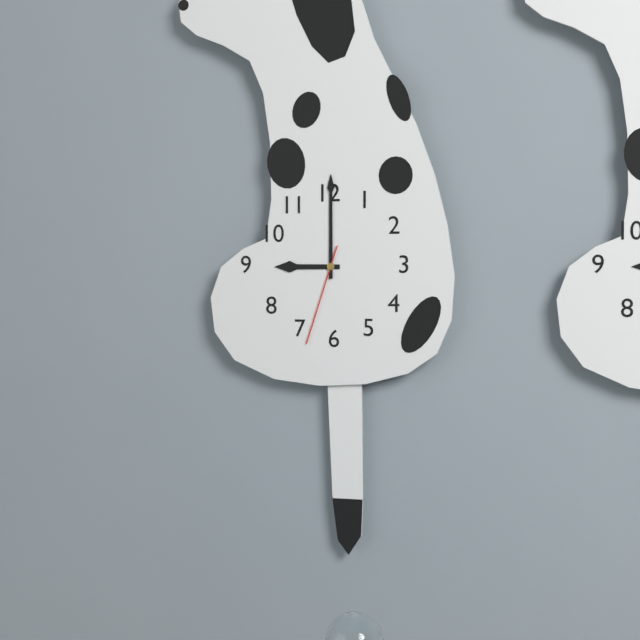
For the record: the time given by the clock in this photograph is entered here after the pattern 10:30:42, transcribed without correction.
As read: 9:00:33
